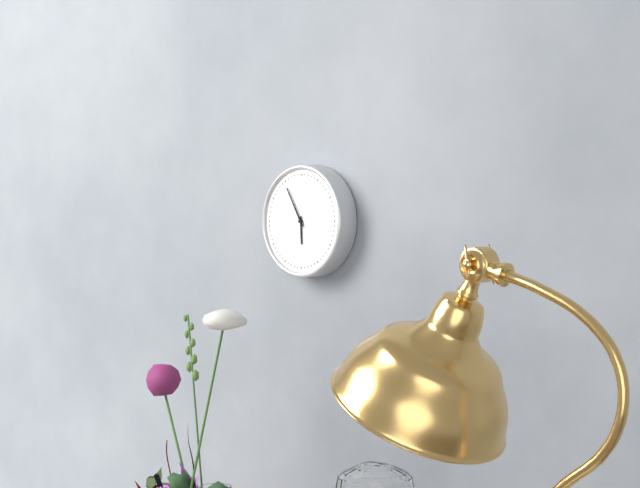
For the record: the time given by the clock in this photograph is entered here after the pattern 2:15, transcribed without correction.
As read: 5:55
